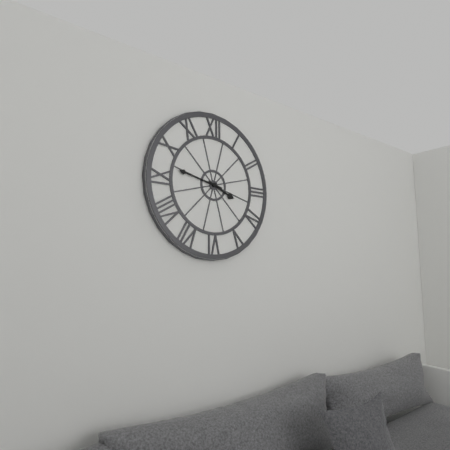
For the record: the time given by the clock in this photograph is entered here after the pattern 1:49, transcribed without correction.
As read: 3:47
